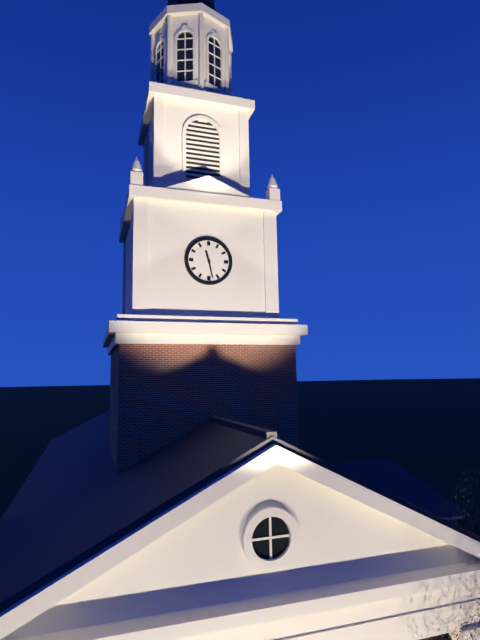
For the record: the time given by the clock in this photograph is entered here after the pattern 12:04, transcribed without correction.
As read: 11:28
